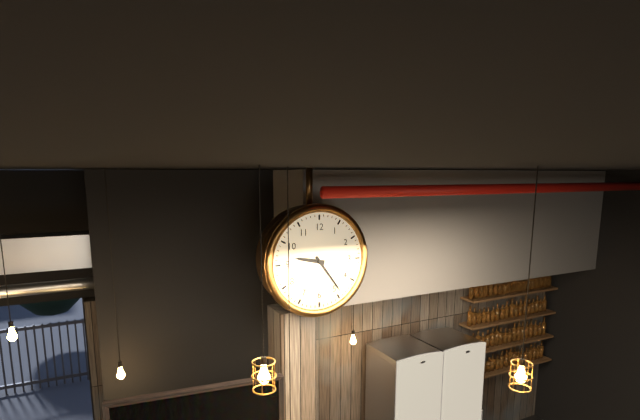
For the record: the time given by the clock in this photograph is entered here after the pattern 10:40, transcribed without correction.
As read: 9:24
